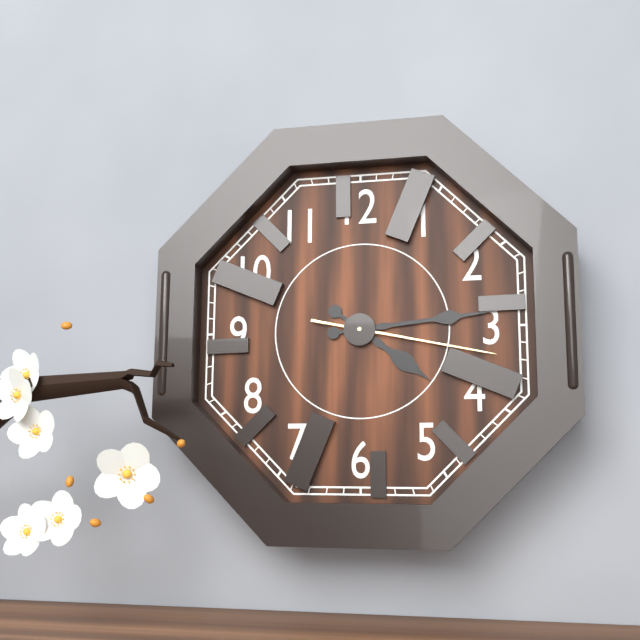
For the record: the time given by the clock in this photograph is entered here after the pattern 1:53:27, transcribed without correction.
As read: 4:14:17
